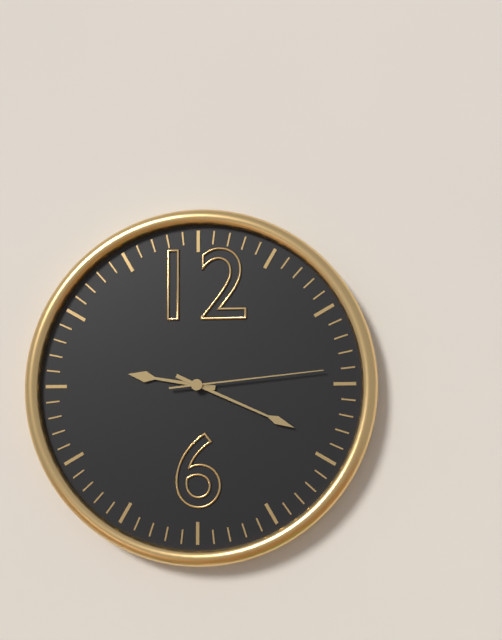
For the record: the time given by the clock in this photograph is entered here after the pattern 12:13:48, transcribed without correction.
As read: 9:19:14
